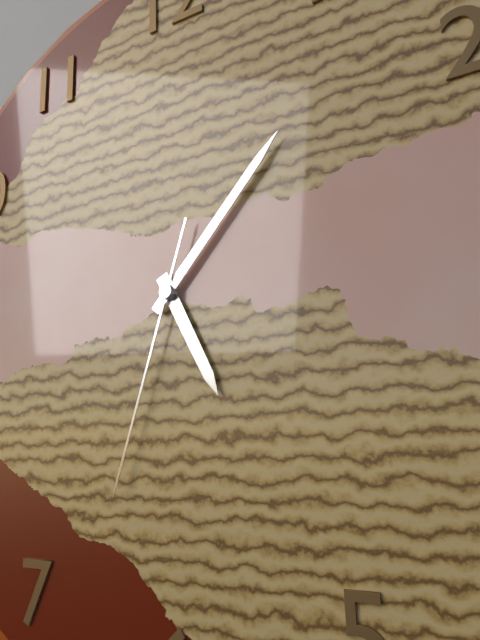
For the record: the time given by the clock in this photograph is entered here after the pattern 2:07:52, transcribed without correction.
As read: 5:07:33
